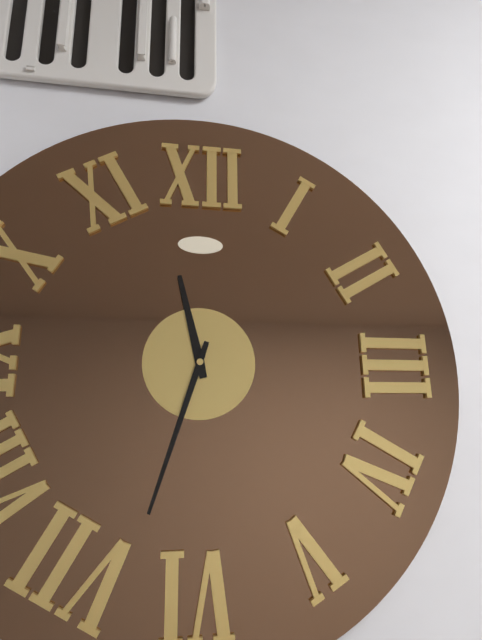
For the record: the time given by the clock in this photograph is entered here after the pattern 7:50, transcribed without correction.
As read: 11:33
